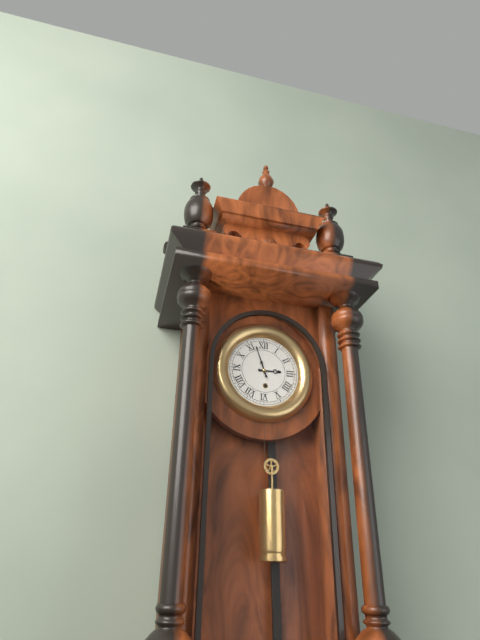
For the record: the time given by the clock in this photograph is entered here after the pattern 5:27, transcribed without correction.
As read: 2:57
